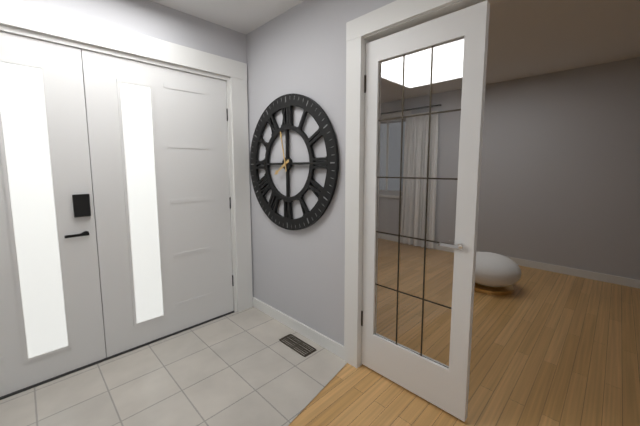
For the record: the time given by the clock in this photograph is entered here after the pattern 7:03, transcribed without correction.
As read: 7:58
